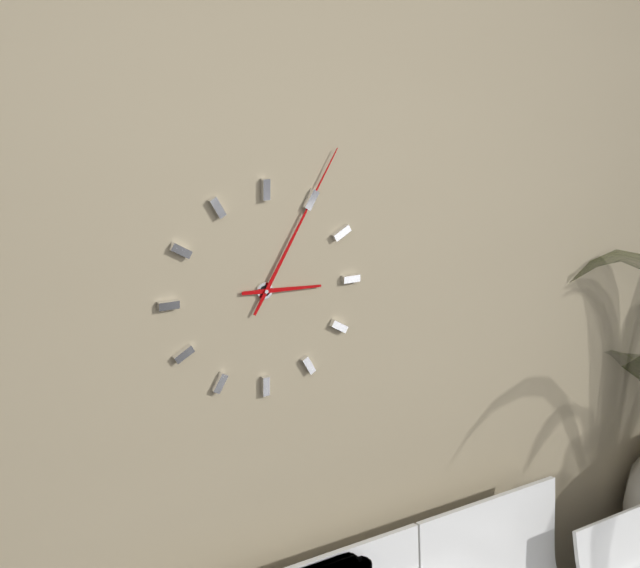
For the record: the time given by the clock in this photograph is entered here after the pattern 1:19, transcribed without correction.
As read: 3:05
